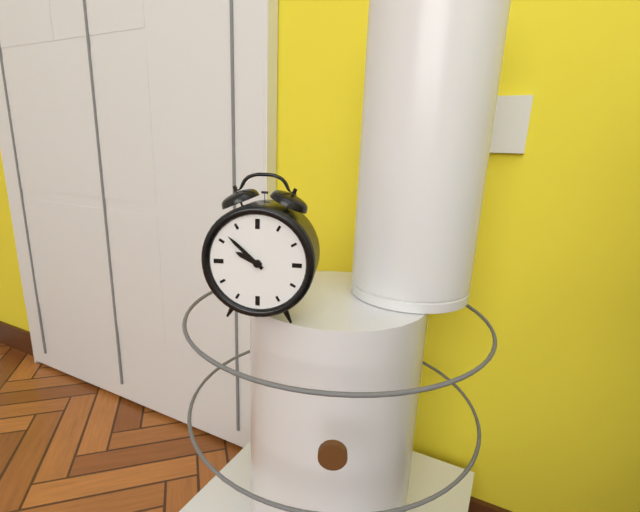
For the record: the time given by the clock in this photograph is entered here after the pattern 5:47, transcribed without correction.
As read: 9:52
